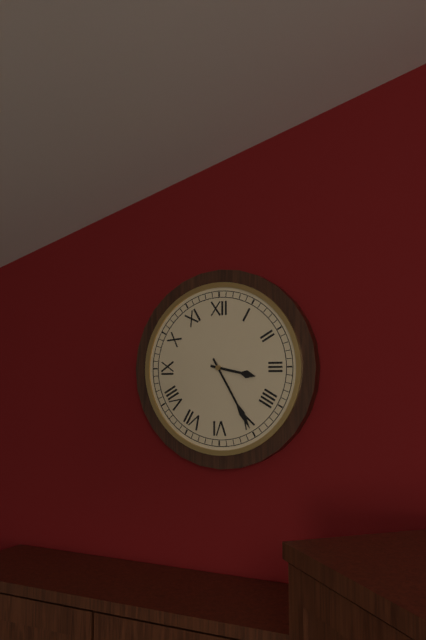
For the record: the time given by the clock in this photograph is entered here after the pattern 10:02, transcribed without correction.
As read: 3:25
